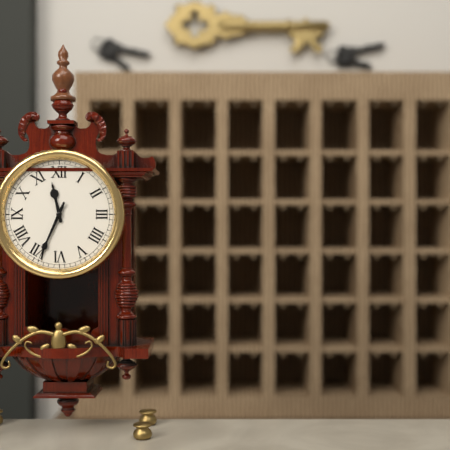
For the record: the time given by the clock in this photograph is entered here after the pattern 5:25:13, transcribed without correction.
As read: 11:34:34
